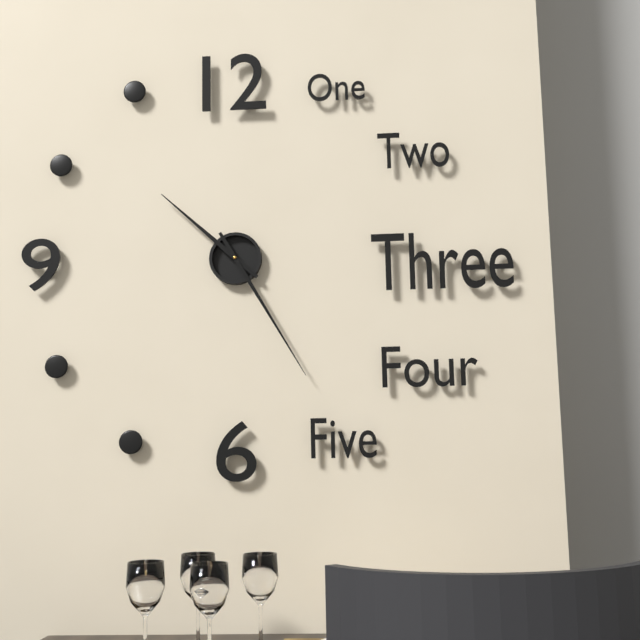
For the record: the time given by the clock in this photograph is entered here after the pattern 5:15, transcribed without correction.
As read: 10:25
